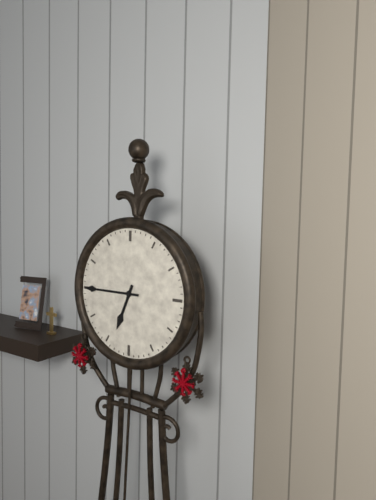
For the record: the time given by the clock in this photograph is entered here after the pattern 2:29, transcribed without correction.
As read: 6:45
